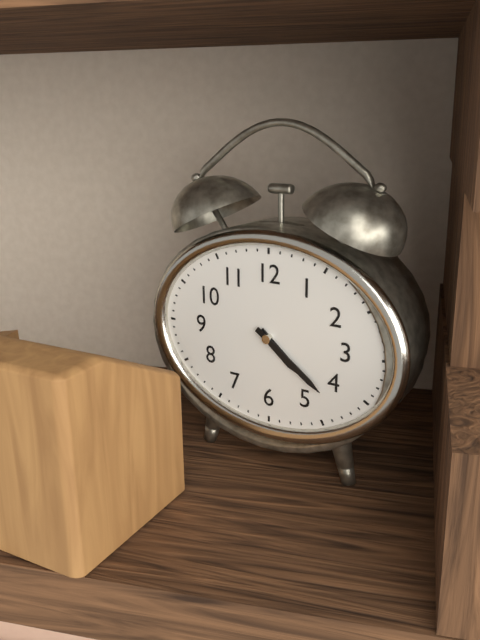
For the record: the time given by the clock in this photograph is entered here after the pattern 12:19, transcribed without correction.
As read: 4:21
